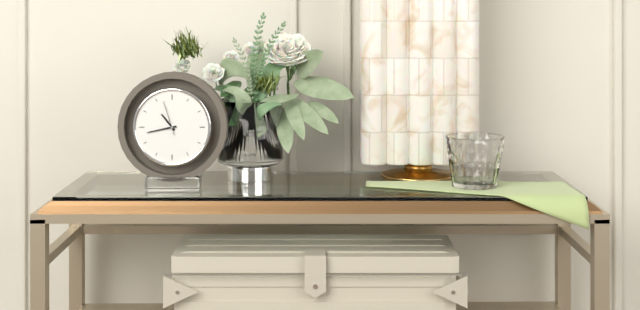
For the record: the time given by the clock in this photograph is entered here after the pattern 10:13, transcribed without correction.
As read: 10:43
